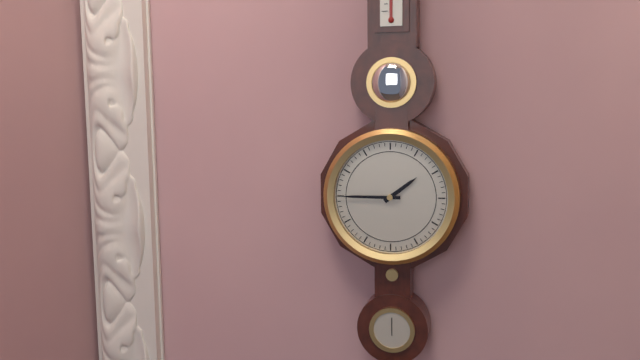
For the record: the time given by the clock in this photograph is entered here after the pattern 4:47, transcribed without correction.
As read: 1:45
